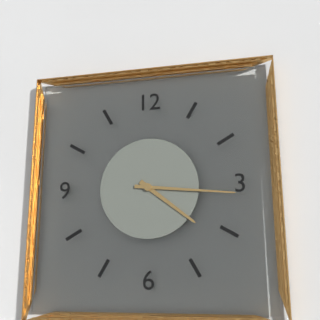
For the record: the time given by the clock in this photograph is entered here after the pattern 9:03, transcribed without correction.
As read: 4:16
